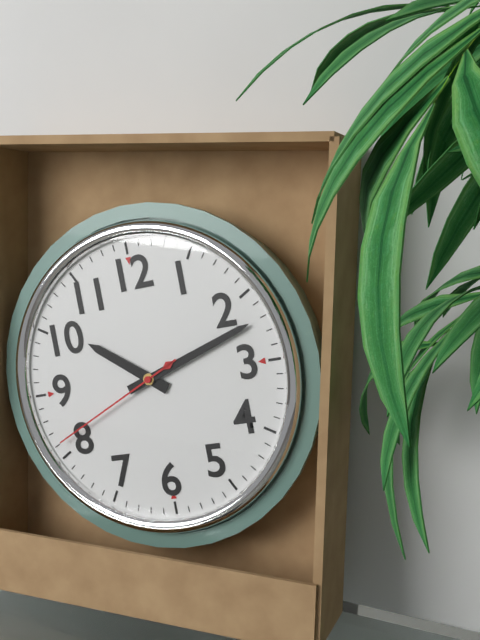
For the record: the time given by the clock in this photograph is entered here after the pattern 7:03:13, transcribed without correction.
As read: 10:12:41
